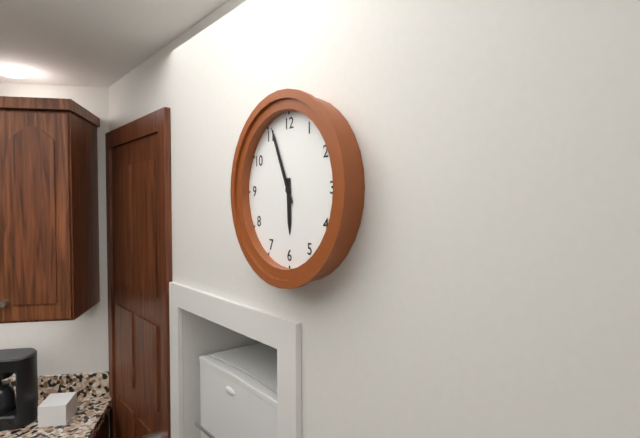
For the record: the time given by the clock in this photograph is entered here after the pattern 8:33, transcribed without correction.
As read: 5:56
